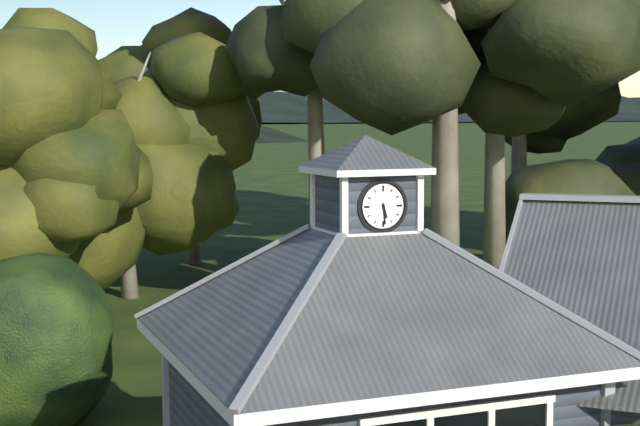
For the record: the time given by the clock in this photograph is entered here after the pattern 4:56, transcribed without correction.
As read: 5:29
